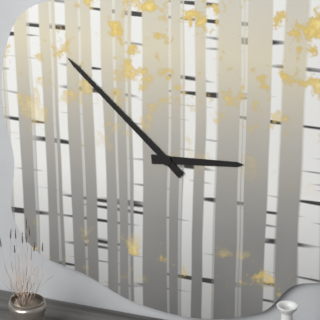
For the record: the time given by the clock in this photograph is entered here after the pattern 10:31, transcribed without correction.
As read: 2:52
